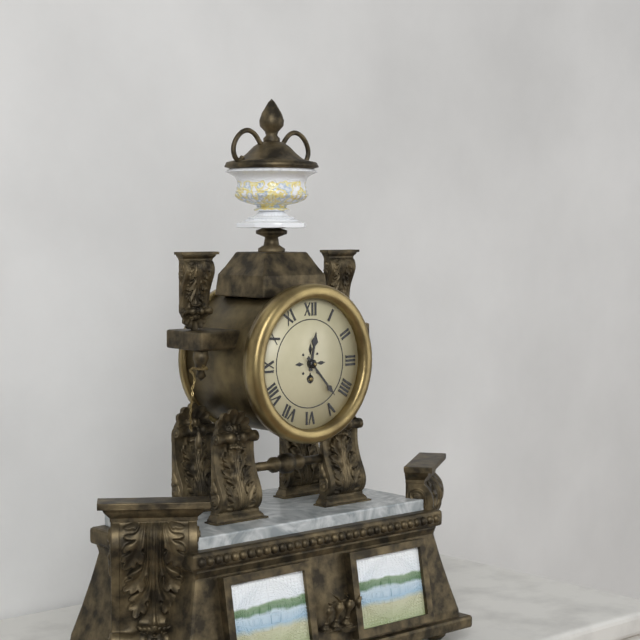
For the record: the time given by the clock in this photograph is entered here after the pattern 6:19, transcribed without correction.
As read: 12:23
